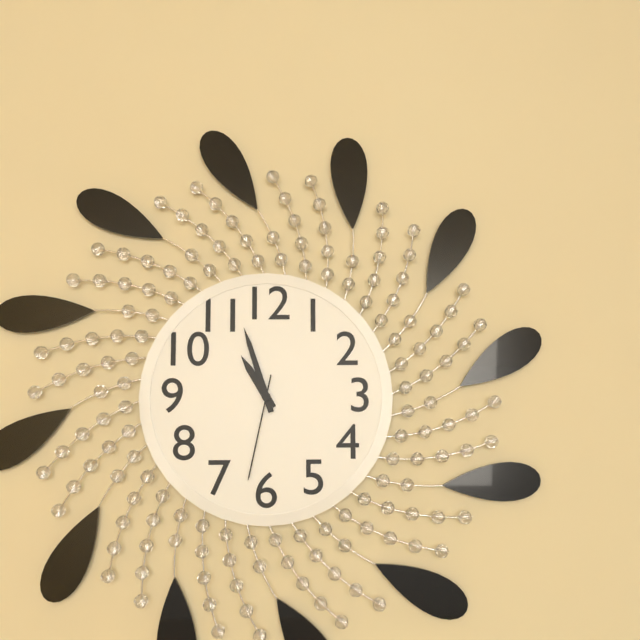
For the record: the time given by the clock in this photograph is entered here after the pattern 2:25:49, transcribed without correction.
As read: 10:57:32
